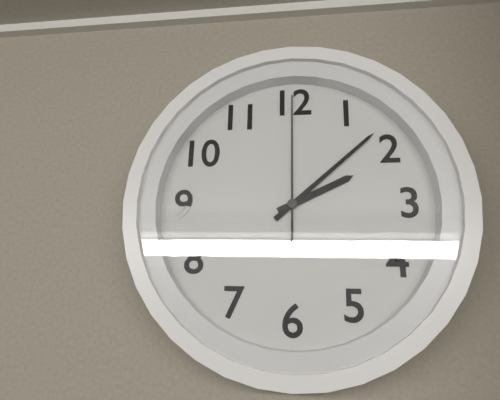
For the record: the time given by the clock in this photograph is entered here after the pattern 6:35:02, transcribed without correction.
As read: 2:08:00
